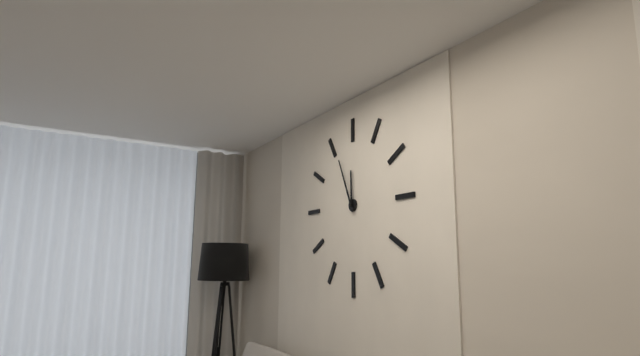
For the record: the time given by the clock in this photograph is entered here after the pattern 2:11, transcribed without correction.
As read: 11:56
